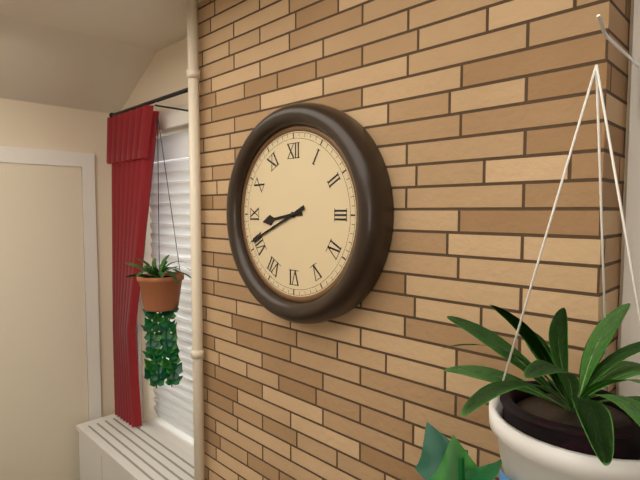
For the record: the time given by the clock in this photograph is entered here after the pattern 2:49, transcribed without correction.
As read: 8:41
